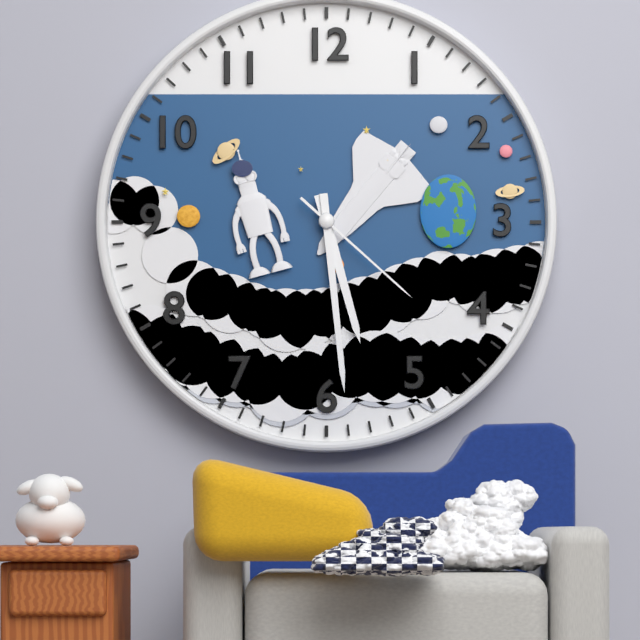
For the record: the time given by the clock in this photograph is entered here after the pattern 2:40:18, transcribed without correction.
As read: 5:29:22
